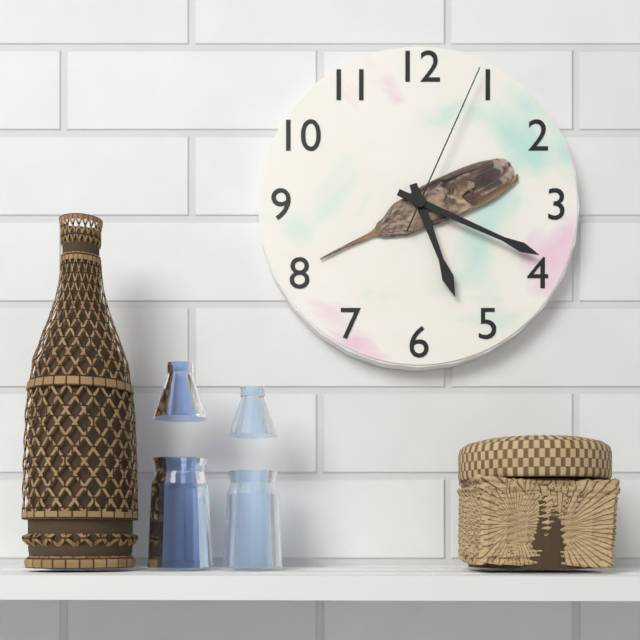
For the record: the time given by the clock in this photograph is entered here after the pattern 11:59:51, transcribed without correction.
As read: 5:19:04
